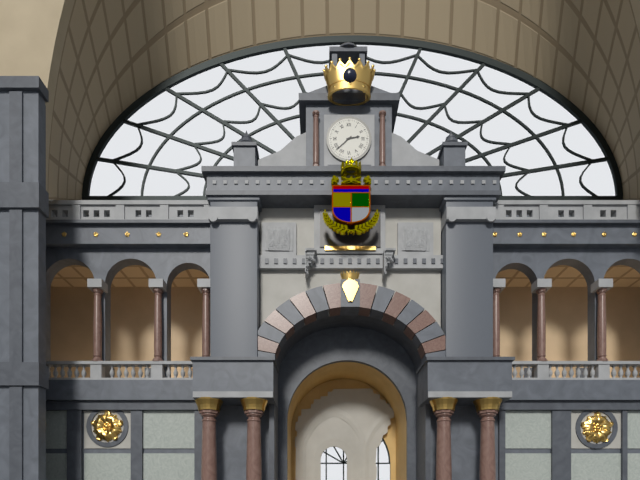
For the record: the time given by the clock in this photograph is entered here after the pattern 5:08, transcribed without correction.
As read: 2:38
